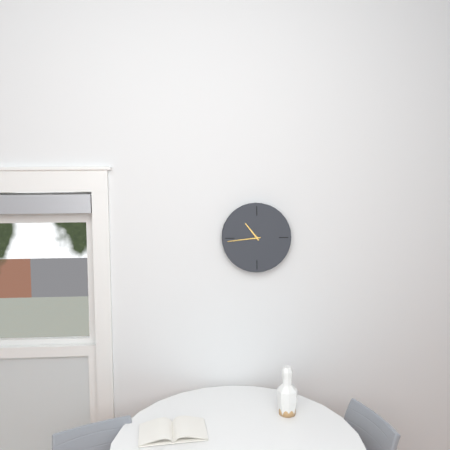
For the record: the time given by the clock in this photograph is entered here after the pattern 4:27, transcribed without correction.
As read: 10:44
